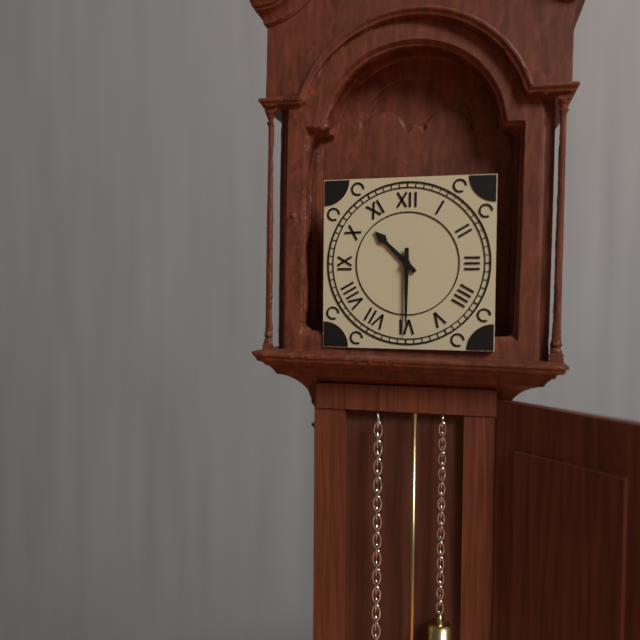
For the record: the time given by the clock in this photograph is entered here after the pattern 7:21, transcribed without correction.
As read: 10:30
